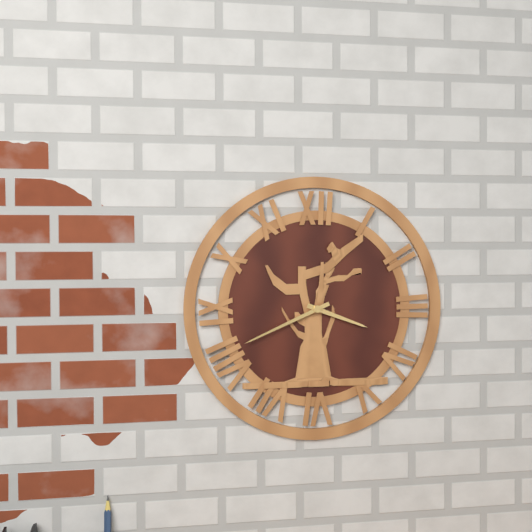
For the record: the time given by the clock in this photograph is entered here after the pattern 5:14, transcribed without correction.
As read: 3:41
